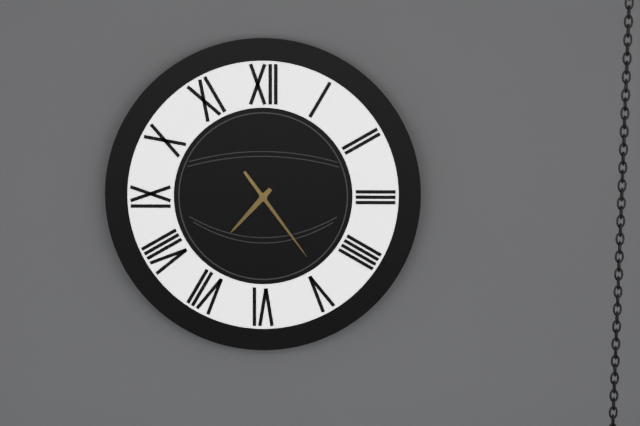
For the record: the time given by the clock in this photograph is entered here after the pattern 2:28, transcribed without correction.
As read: 7:24
